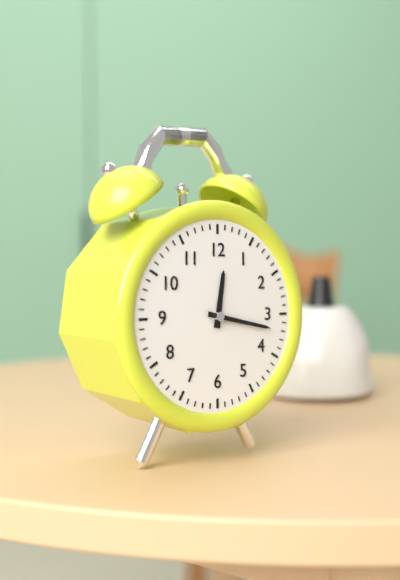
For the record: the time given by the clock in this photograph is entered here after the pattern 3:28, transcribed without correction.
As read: 12:17
